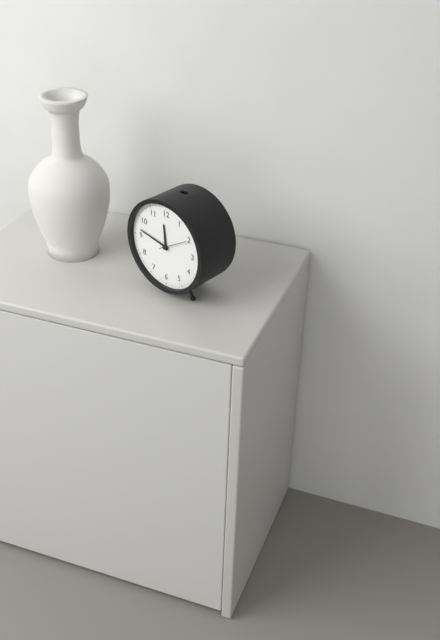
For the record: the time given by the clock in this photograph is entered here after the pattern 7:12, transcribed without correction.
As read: 11:47
